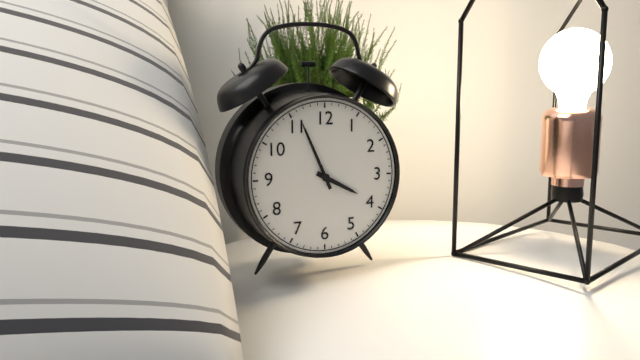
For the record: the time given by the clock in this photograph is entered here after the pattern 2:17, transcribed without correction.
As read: 3:56
